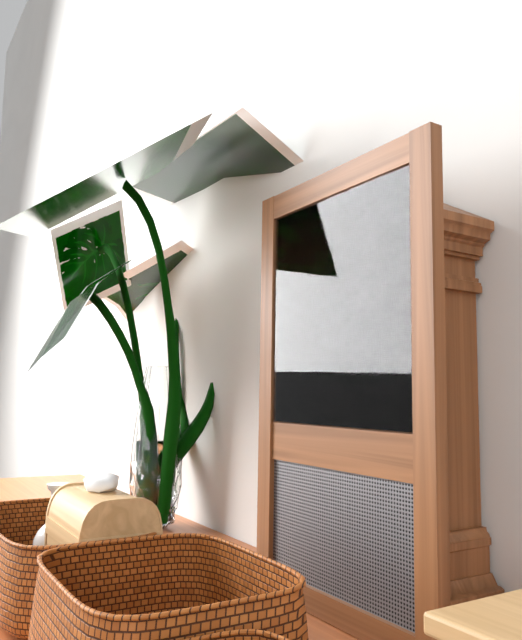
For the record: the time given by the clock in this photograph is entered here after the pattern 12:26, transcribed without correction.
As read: 2:02
